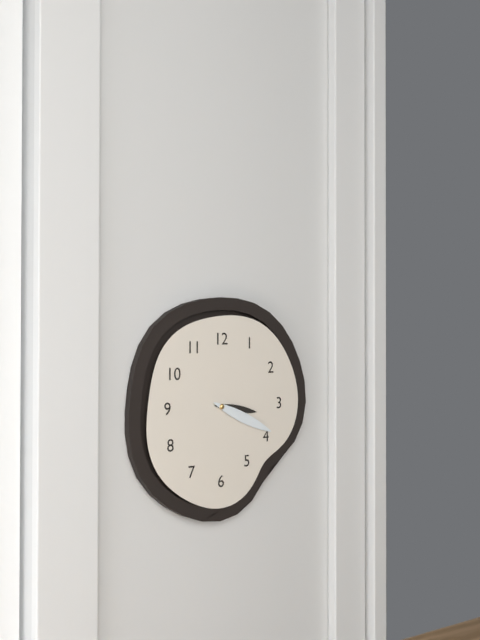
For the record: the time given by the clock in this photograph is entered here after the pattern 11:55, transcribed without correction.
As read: 3:19
